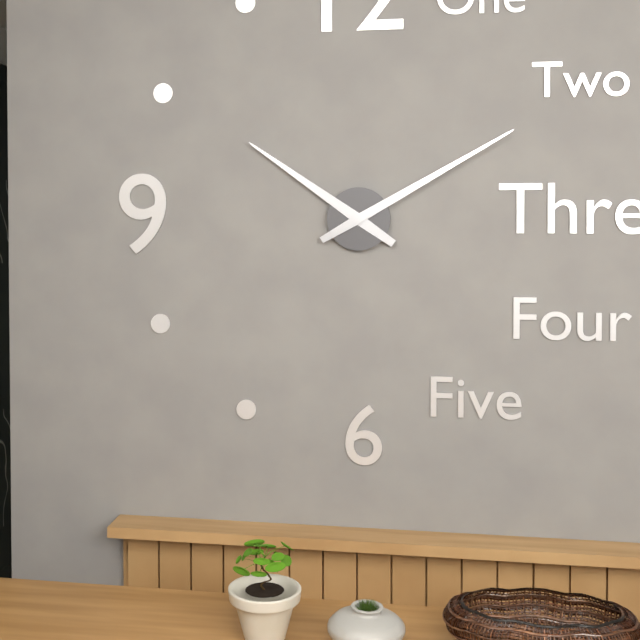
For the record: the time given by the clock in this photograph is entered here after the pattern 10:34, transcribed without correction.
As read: 10:10
